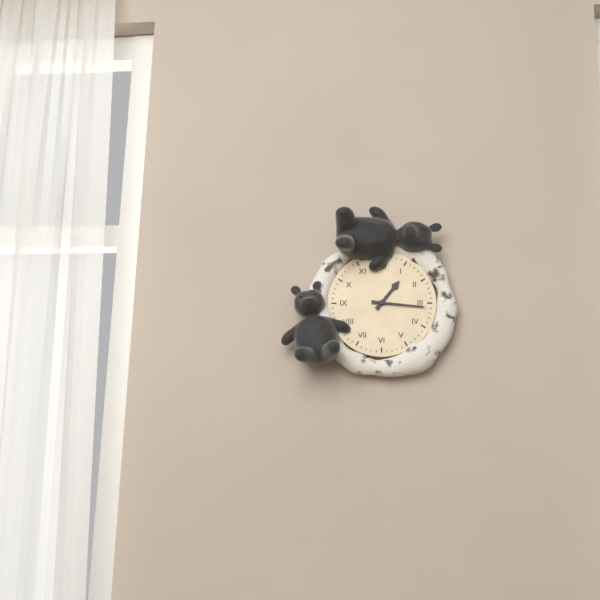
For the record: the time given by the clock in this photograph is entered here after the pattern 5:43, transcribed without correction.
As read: 1:16
